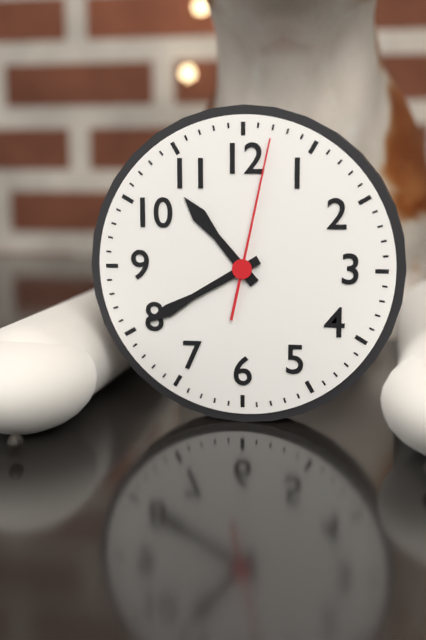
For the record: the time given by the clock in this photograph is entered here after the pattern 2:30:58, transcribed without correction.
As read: 10:40:02
